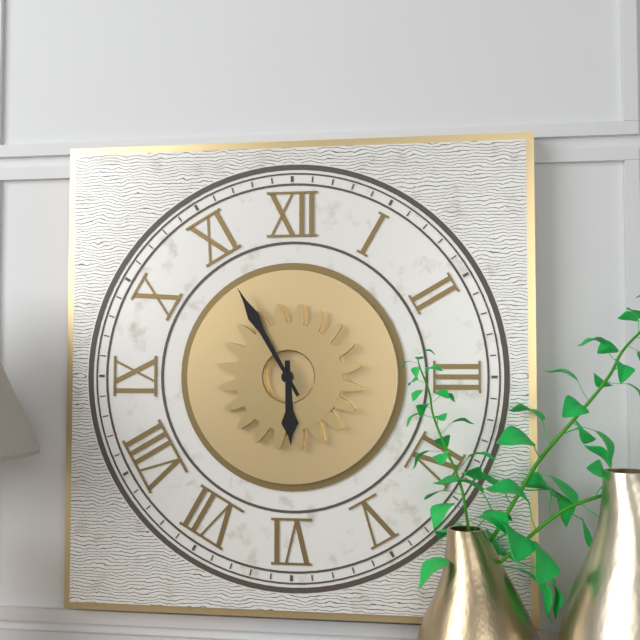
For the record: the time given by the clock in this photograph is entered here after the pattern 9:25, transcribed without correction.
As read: 5:55
